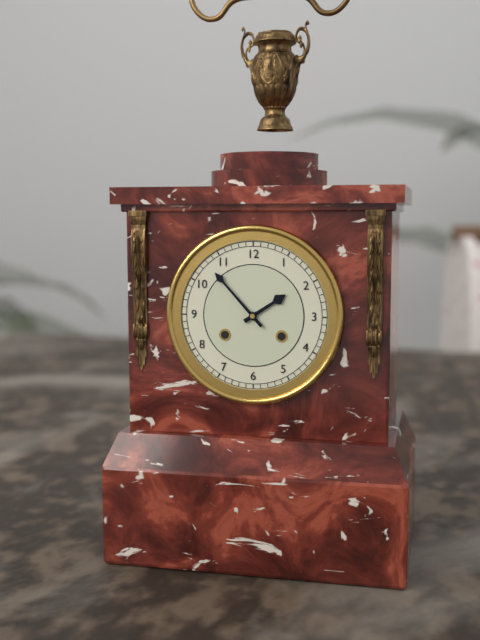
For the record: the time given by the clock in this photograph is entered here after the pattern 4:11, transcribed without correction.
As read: 1:53
